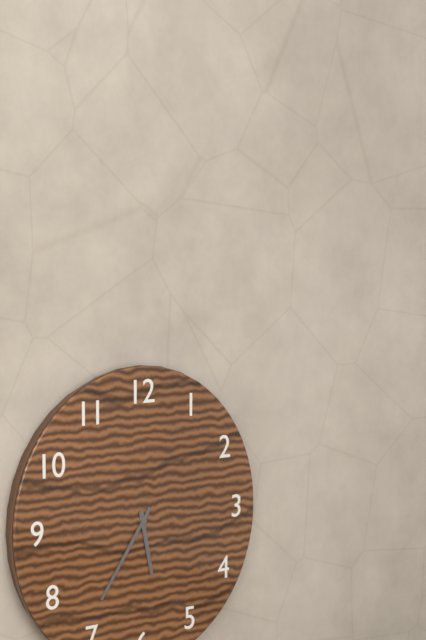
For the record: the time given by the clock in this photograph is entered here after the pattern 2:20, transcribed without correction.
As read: 5:36
